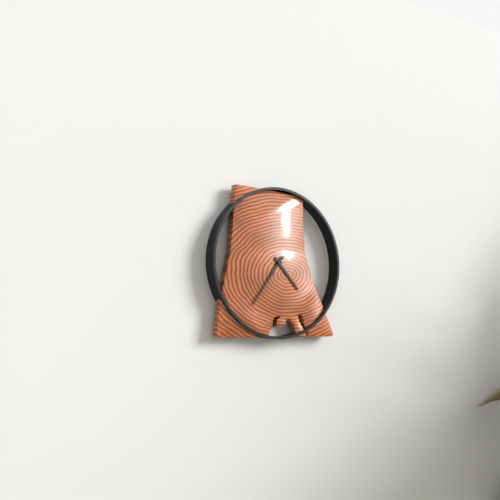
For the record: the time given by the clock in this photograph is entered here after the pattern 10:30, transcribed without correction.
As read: 4:36
